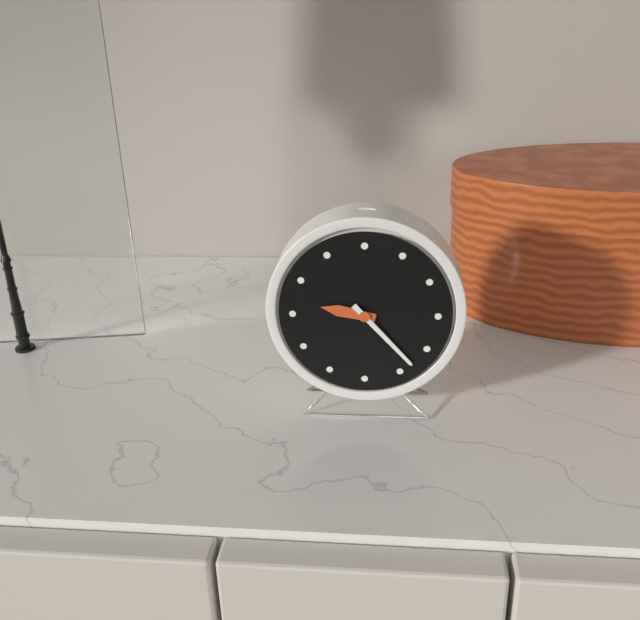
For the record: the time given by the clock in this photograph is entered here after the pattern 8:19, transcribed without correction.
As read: 9:23
